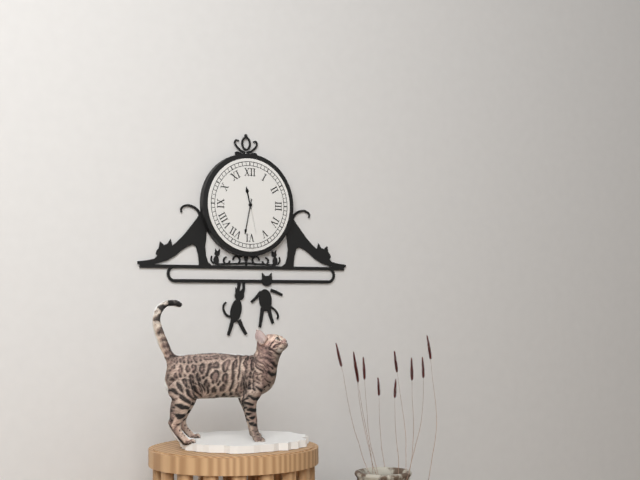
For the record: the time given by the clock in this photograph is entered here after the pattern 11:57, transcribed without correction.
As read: 11:32
